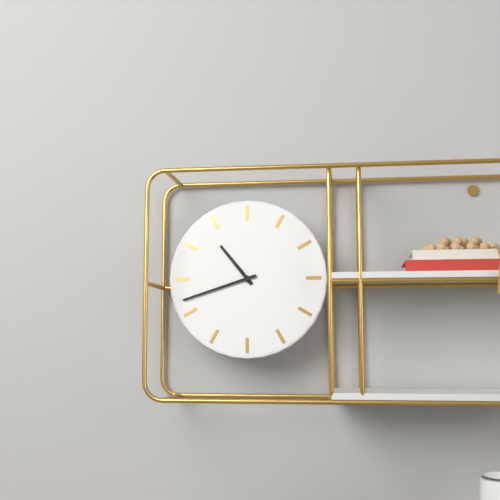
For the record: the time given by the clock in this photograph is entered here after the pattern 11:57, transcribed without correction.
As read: 10:42
